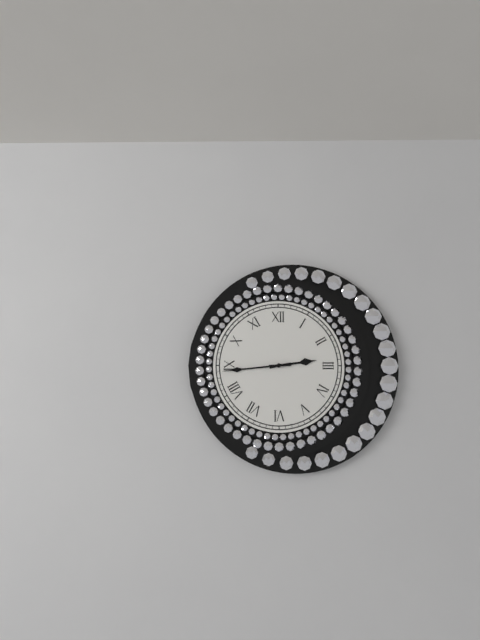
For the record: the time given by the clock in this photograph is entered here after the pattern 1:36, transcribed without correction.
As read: 2:44
